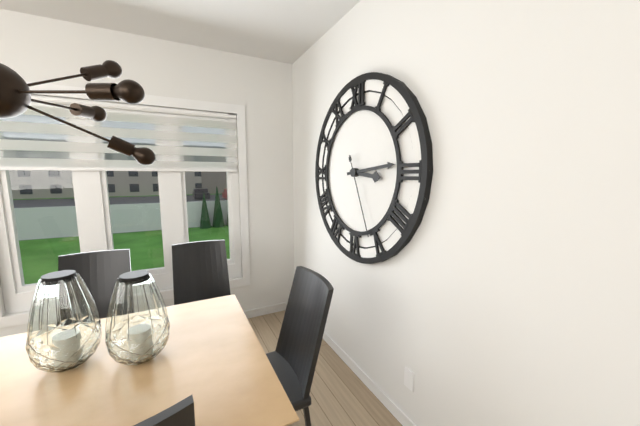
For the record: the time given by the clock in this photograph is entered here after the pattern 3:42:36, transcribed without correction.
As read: 3:14:26
